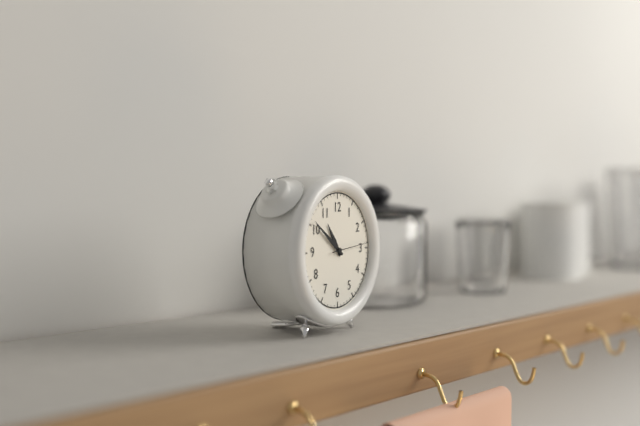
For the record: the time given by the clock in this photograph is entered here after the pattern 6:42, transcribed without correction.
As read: 10:51
